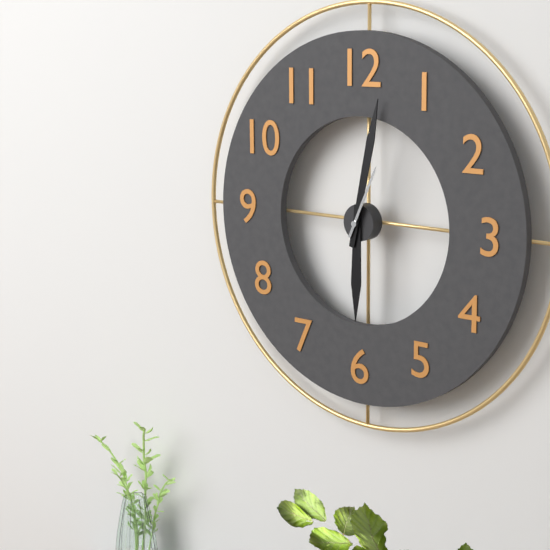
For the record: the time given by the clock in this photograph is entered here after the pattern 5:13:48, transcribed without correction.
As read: 6:02:04
